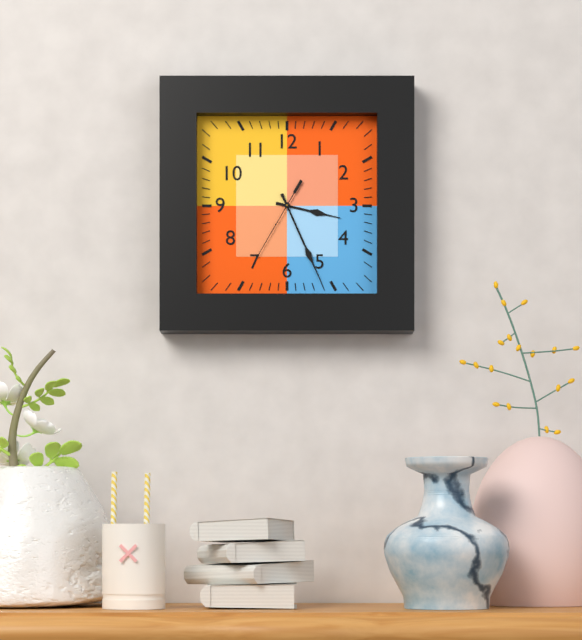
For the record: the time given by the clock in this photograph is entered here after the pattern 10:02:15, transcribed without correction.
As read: 3:26:35
